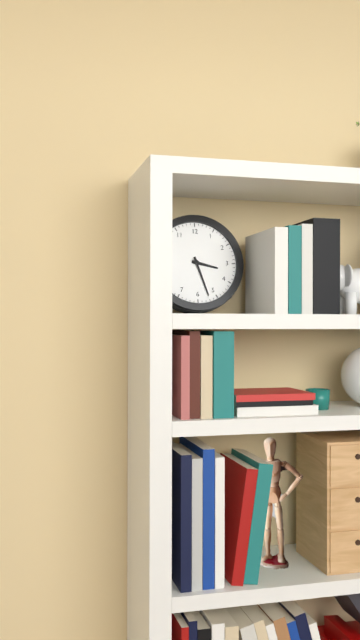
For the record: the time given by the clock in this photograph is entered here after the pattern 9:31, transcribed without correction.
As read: 3:27
